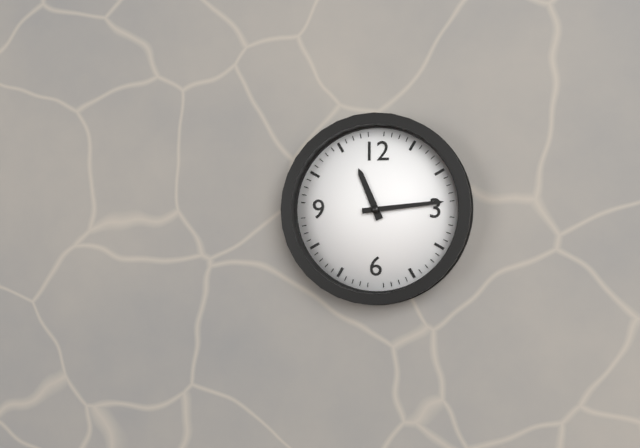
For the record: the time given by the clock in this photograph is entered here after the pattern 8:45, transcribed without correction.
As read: 11:14
